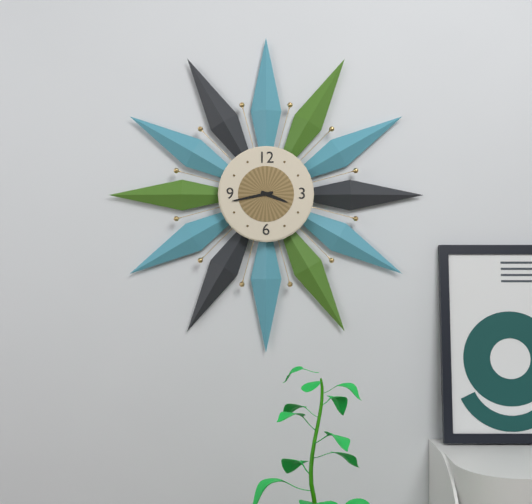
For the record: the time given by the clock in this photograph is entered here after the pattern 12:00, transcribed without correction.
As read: 3:43
